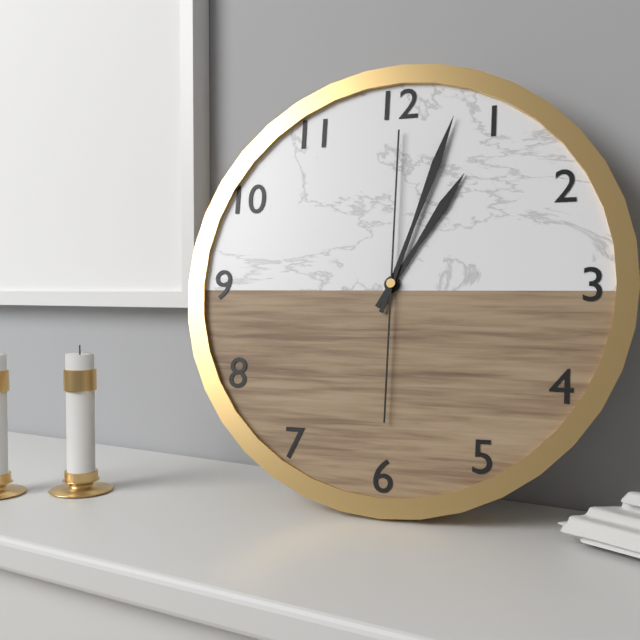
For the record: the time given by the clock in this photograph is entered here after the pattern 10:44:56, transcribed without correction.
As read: 1:03:00
